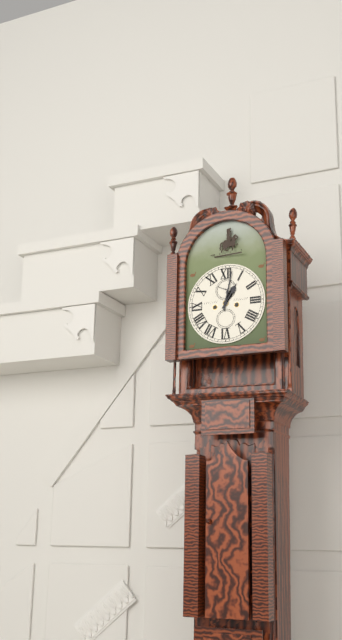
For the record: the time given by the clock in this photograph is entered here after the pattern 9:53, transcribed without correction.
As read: 1:02
